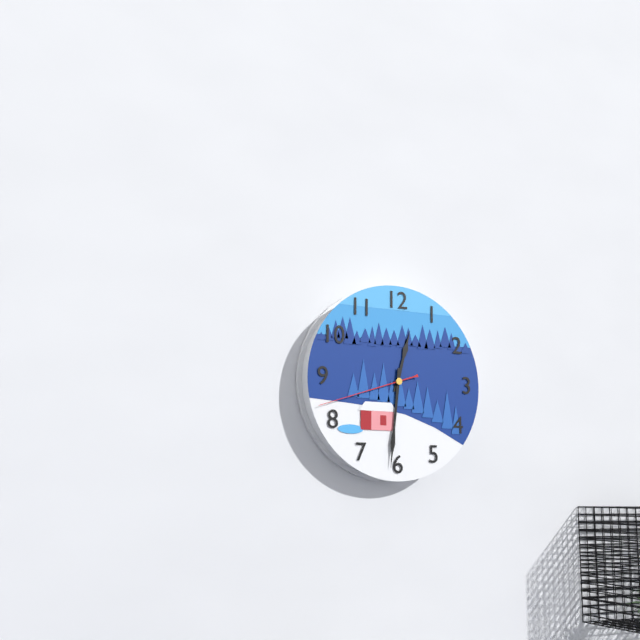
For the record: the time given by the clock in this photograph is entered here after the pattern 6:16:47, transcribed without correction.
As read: 12:31:42
